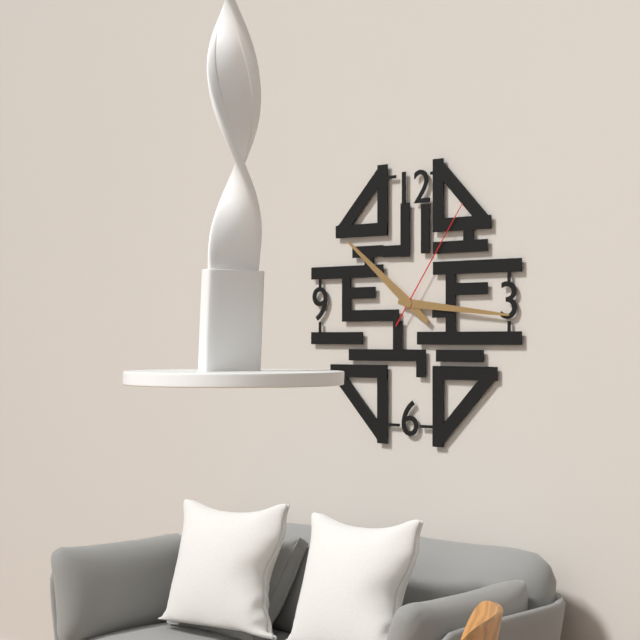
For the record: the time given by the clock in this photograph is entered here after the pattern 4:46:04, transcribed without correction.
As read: 10:16:06
